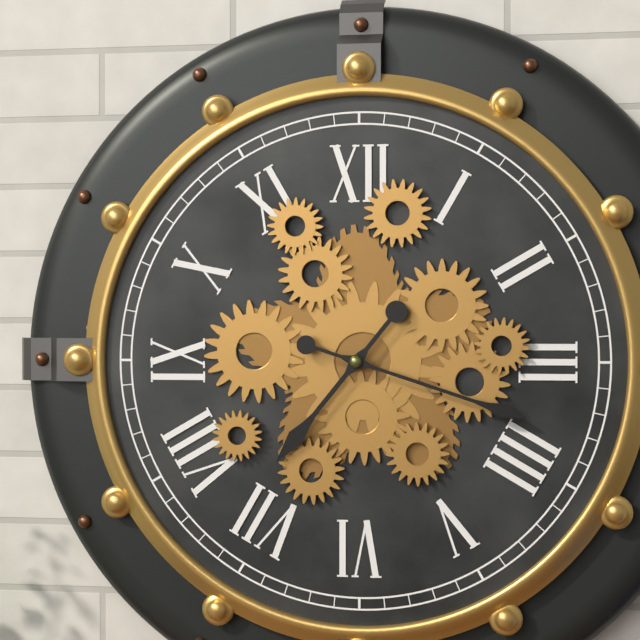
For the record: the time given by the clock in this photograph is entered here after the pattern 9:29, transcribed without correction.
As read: 7:18
